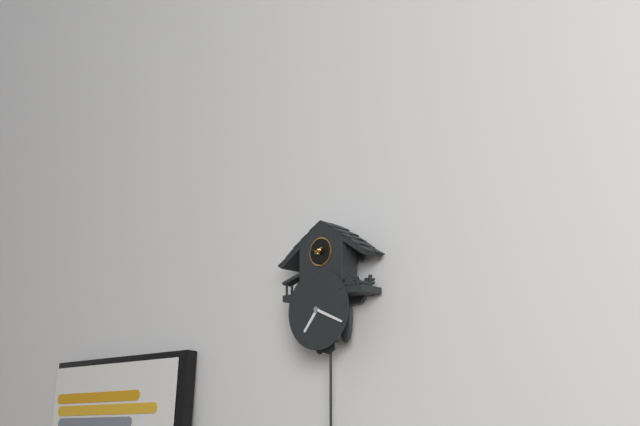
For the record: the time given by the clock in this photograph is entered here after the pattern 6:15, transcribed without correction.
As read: 7:19
